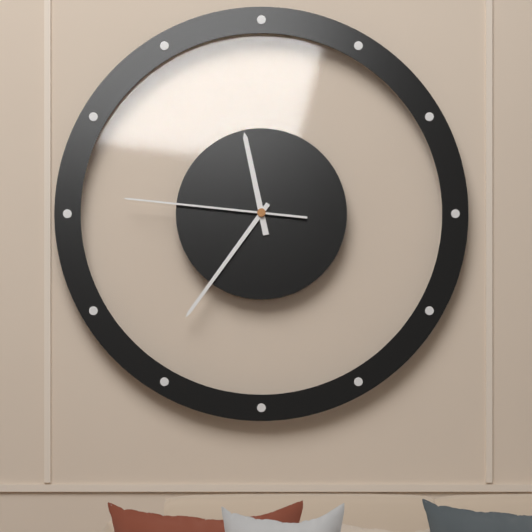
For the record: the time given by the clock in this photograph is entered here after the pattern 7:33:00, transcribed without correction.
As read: 11:36:46
